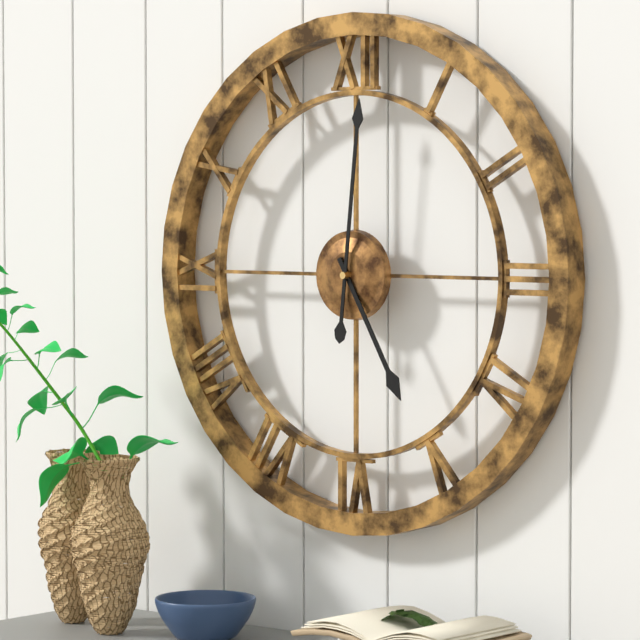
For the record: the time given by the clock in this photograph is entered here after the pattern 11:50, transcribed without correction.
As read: 5:01
